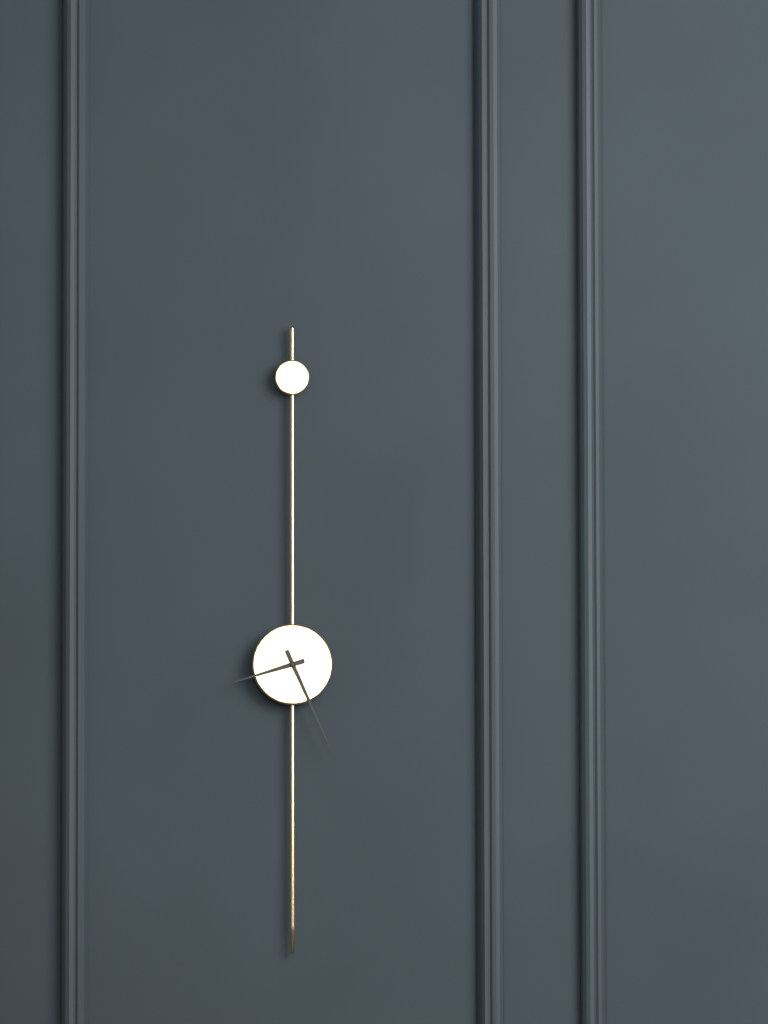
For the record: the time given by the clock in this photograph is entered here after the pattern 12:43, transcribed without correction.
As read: 8:26
